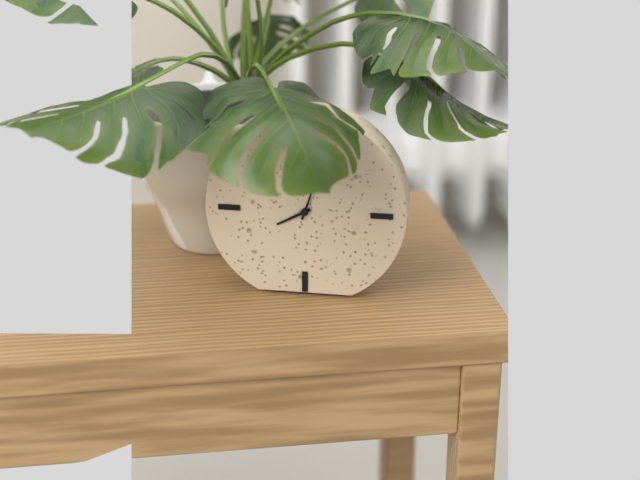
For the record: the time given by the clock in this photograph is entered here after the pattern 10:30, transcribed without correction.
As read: 8:03
